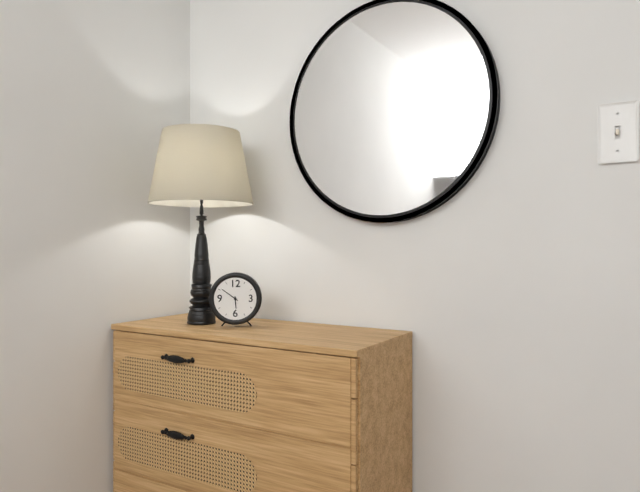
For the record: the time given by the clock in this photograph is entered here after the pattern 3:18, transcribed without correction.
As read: 5:51
